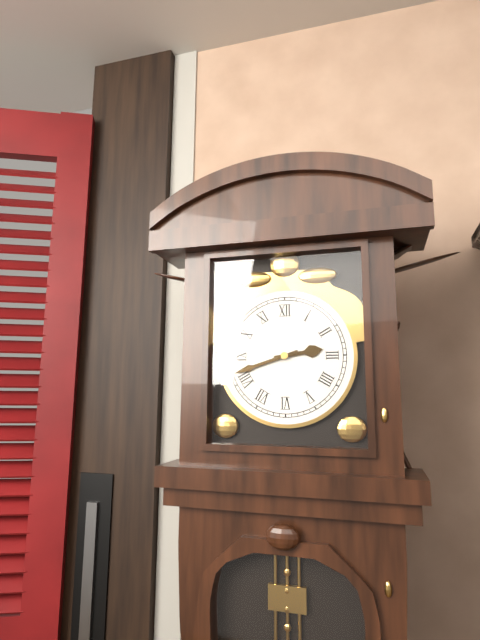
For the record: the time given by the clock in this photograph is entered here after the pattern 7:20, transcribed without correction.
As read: 2:42
